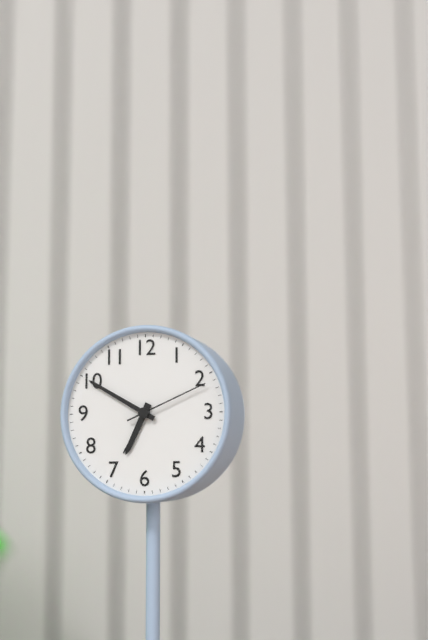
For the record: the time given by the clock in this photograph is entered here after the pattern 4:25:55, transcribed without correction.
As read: 6:50:11
